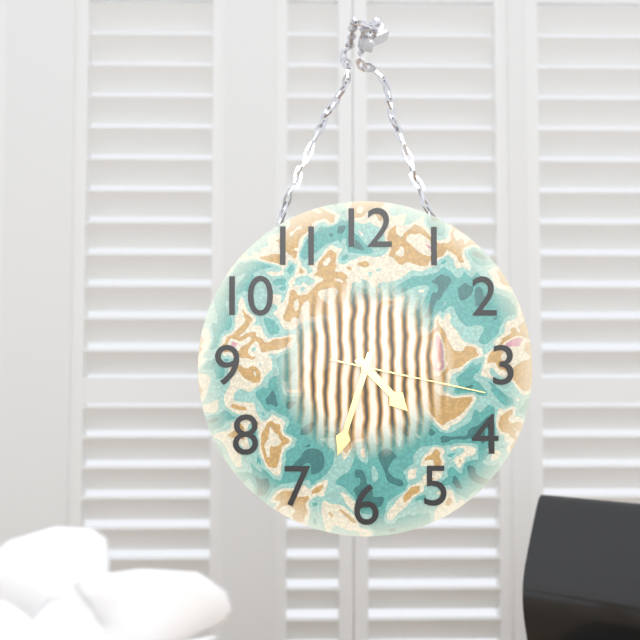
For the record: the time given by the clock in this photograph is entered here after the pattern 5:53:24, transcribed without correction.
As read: 4:33:17
